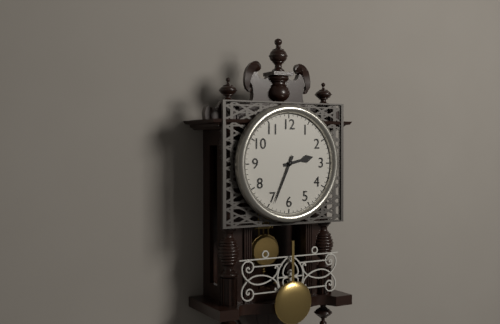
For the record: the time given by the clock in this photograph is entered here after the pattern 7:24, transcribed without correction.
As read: 2:34
